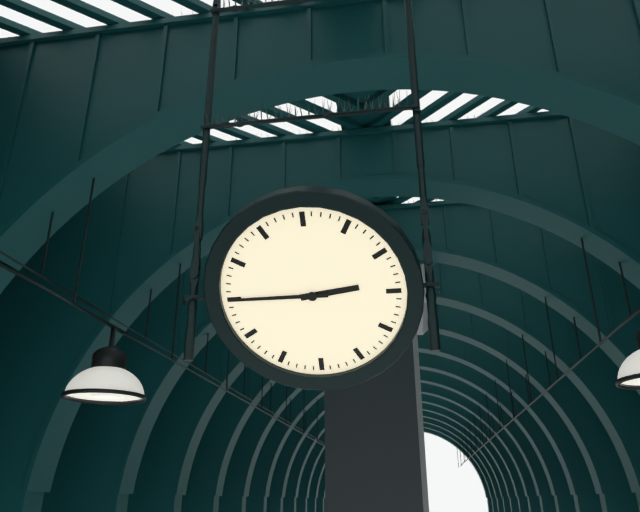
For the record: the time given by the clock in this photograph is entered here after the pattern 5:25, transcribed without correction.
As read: 2:45
